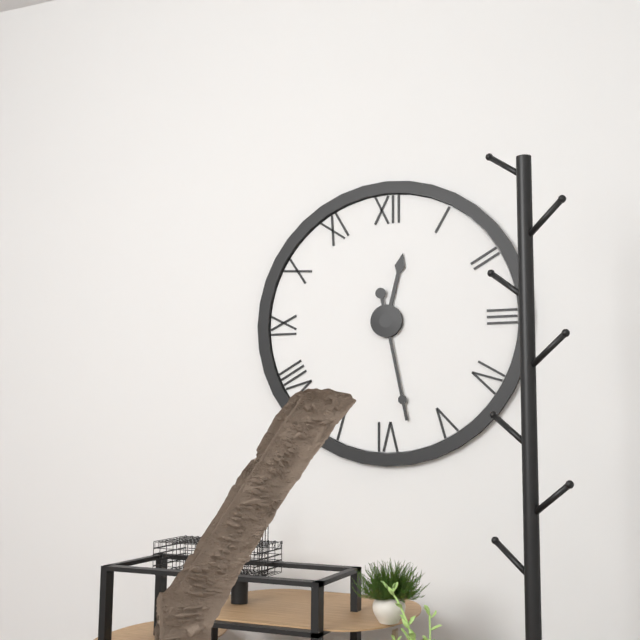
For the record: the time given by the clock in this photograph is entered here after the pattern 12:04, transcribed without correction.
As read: 12:28
